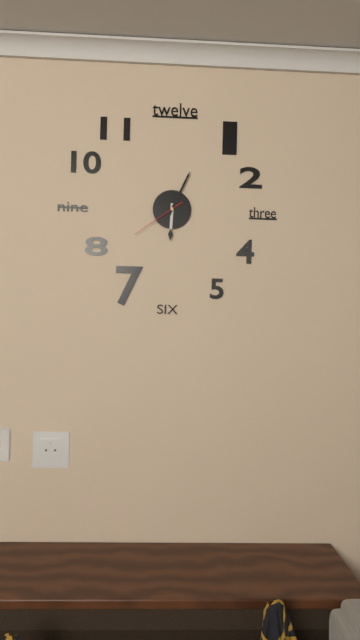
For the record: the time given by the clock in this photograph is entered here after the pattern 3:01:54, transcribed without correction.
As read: 6:04:39
